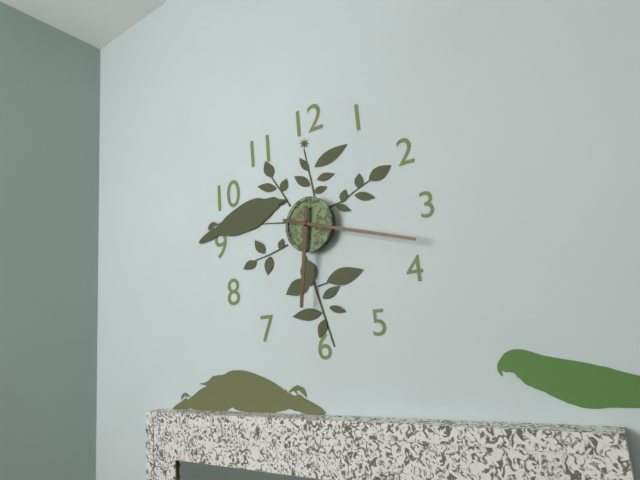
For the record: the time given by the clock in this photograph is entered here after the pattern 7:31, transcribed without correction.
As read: 6:18
